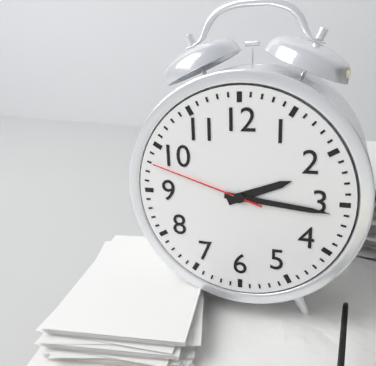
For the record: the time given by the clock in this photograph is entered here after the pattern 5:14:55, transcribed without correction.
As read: 2:16:48
